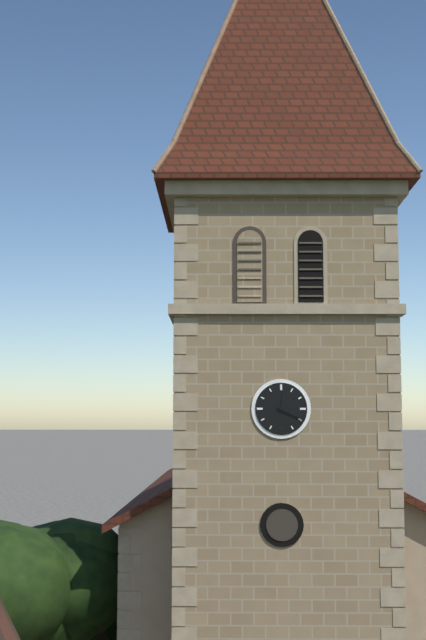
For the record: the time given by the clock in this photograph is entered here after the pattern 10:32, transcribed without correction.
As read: 12:19
